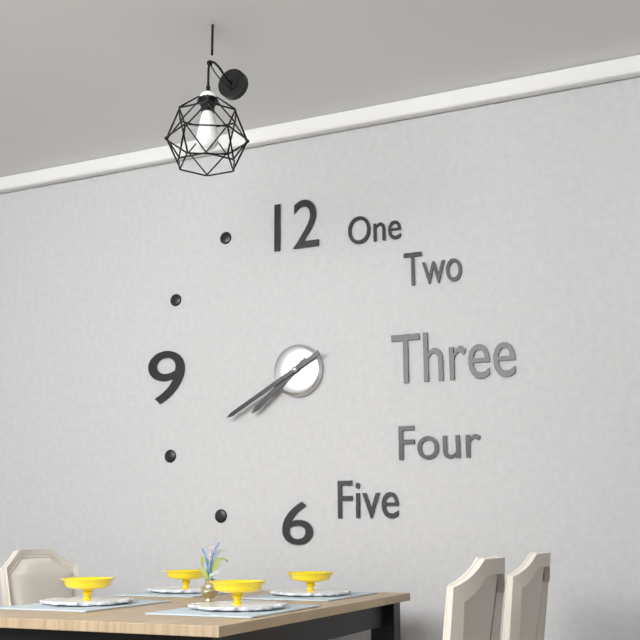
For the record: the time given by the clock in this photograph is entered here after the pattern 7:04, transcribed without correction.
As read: 7:40
